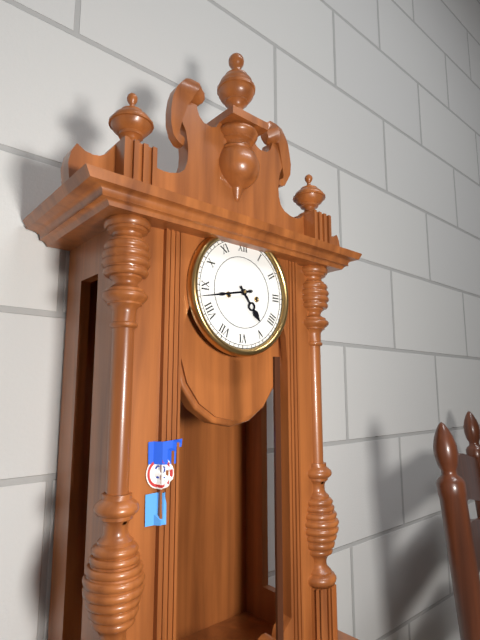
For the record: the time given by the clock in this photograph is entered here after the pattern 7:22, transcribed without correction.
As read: 4:43
